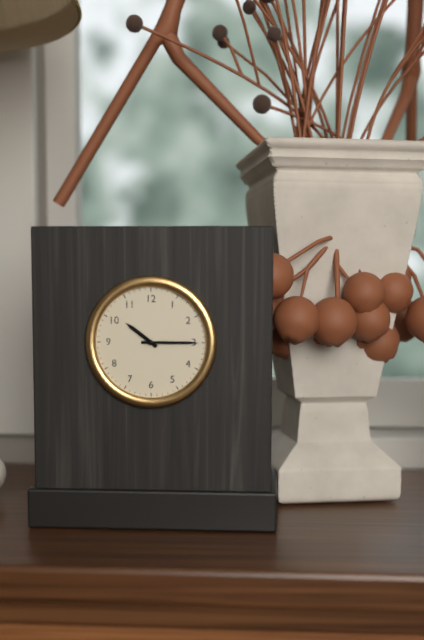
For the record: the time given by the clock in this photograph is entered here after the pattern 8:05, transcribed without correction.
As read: 10:15
